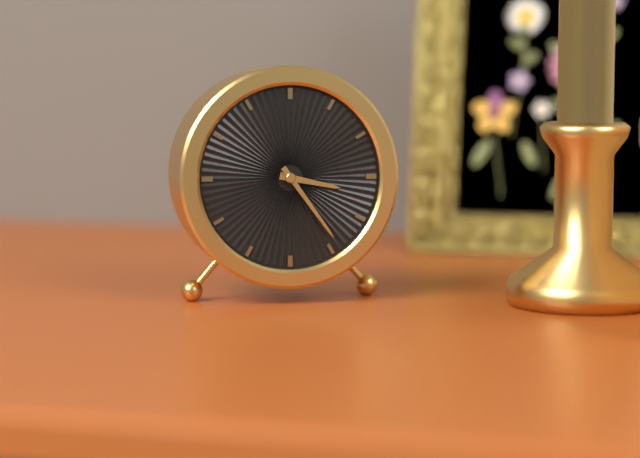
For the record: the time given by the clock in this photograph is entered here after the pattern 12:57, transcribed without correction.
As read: 3:24
